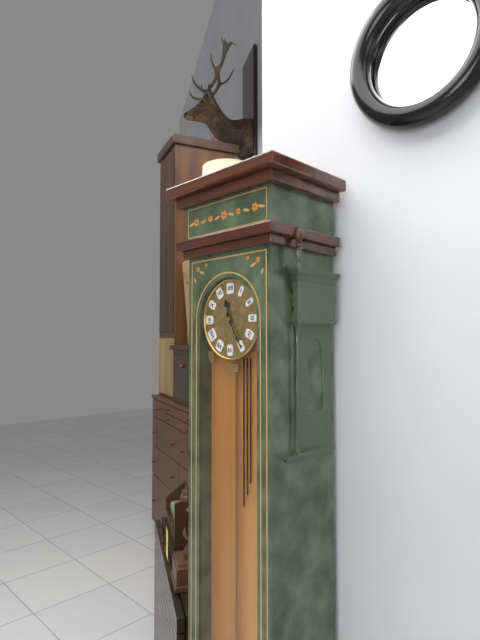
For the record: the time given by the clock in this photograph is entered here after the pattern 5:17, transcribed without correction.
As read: 11:25
